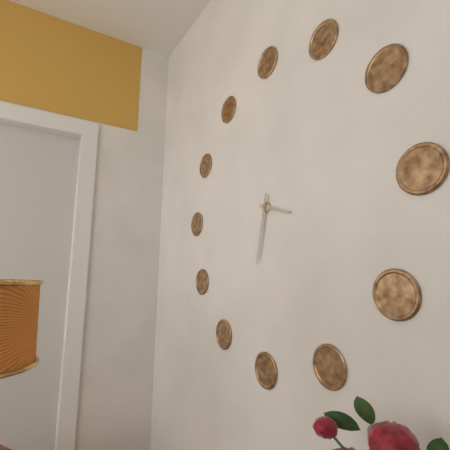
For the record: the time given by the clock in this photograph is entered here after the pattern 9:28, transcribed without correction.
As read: 3:32
